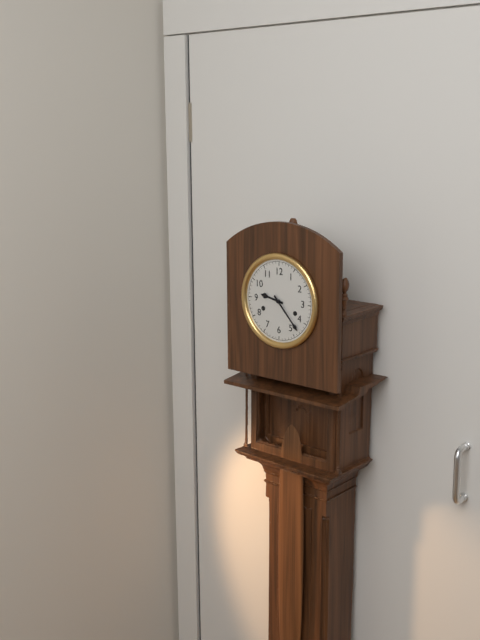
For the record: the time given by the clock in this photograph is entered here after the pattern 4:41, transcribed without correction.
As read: 9:23
